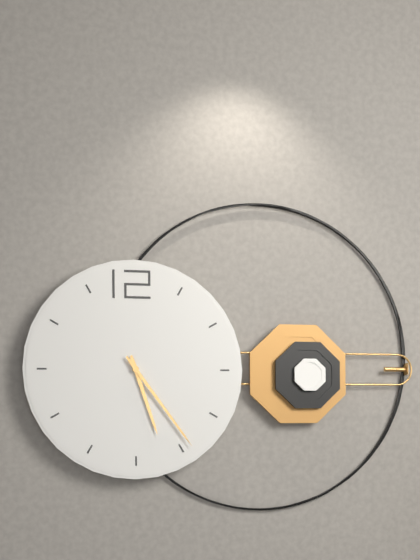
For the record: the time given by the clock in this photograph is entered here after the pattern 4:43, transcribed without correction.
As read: 5:24
